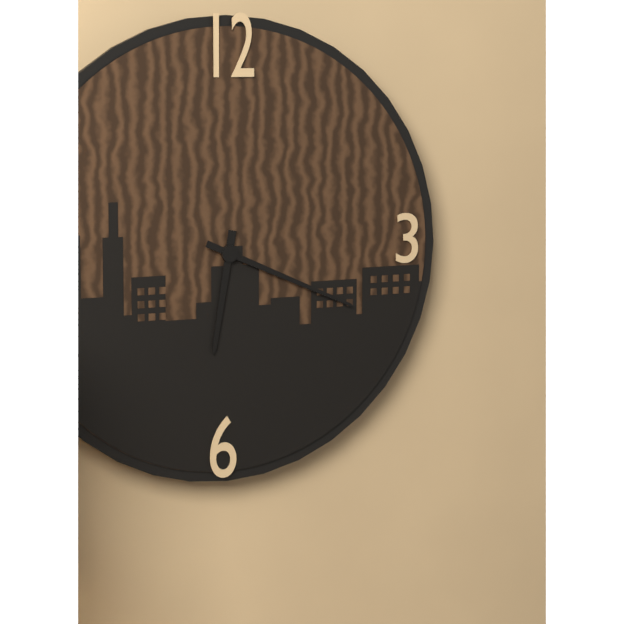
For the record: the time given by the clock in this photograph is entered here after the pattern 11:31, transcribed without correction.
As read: 6:19
